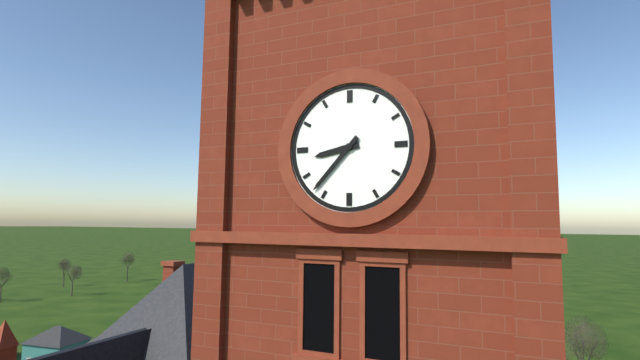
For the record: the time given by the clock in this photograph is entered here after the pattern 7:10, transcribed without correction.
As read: 8:37
